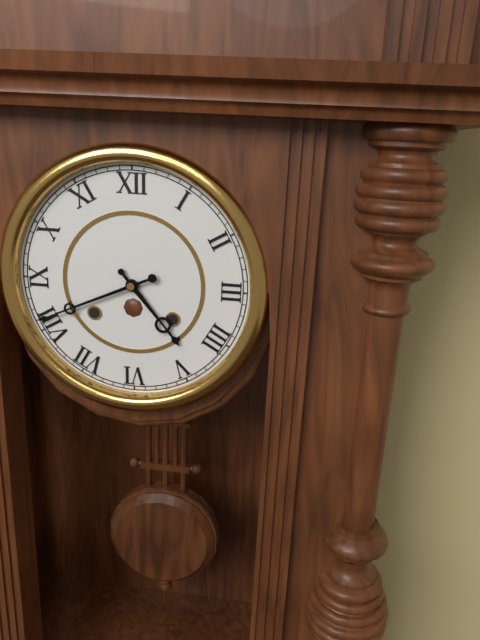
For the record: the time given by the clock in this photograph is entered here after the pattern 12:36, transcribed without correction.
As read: 4:41
